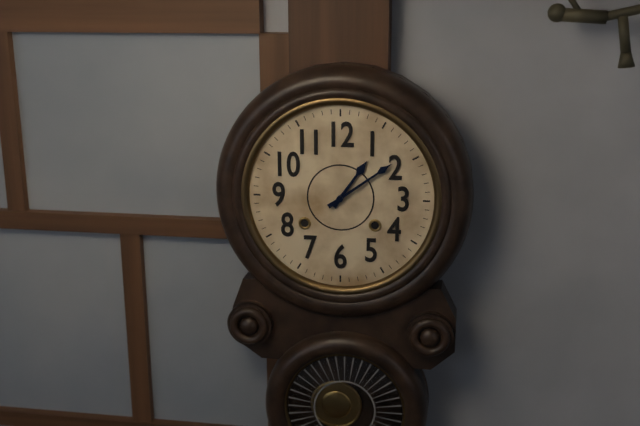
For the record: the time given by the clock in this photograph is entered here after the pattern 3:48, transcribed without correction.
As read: 1:09
